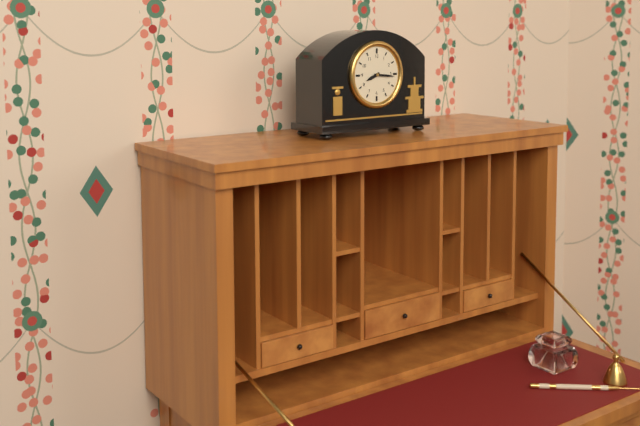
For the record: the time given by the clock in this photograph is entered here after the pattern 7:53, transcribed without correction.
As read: 8:16
